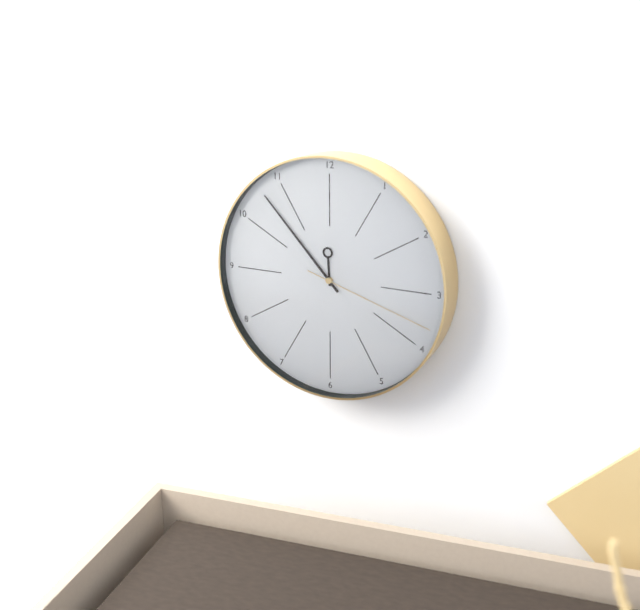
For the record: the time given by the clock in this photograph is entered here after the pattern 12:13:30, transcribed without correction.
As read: 11:53:18
